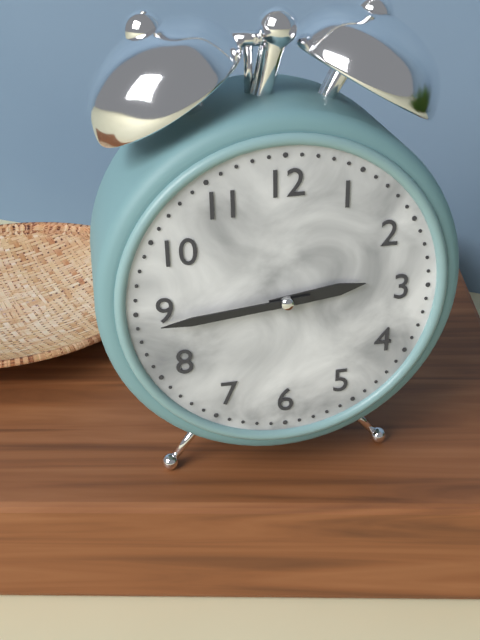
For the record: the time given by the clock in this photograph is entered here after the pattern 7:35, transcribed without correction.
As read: 2:44
